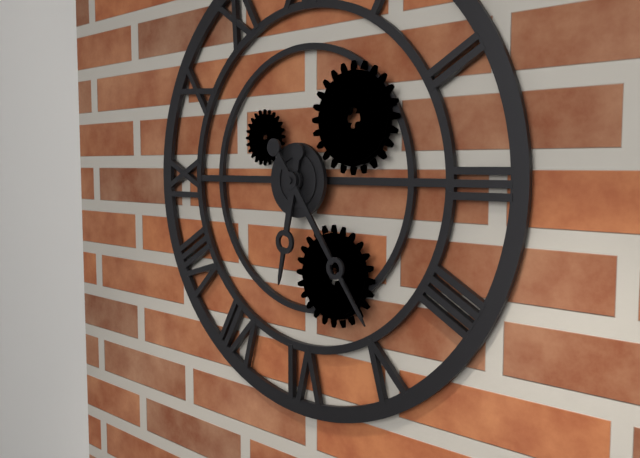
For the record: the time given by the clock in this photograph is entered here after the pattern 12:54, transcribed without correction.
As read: 6:24
